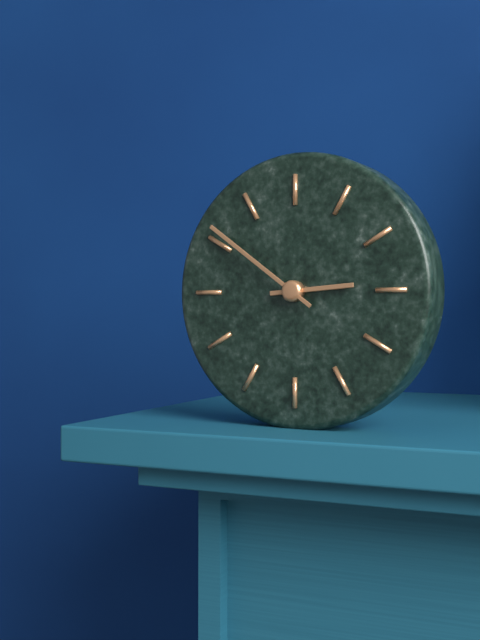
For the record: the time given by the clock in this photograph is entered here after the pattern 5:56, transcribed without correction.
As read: 2:51
